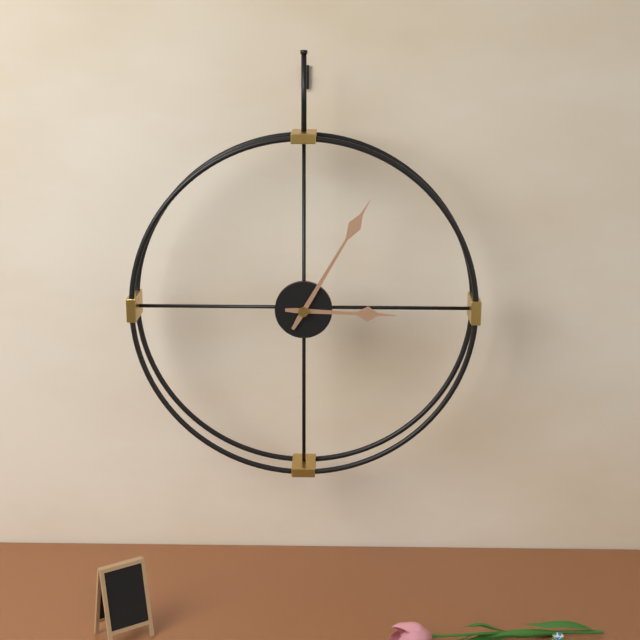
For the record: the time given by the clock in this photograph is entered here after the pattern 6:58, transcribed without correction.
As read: 3:05
